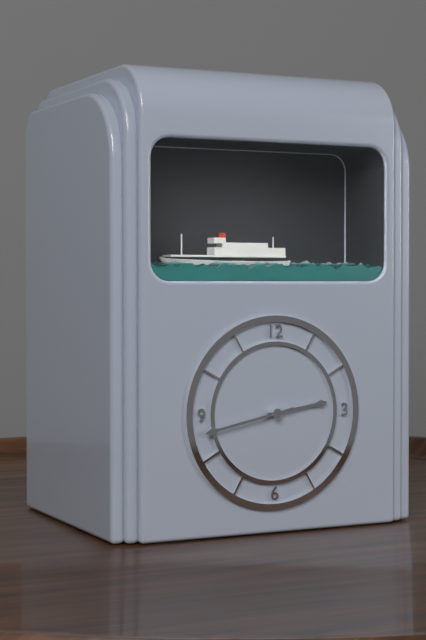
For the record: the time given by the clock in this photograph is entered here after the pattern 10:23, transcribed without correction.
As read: 2:43
